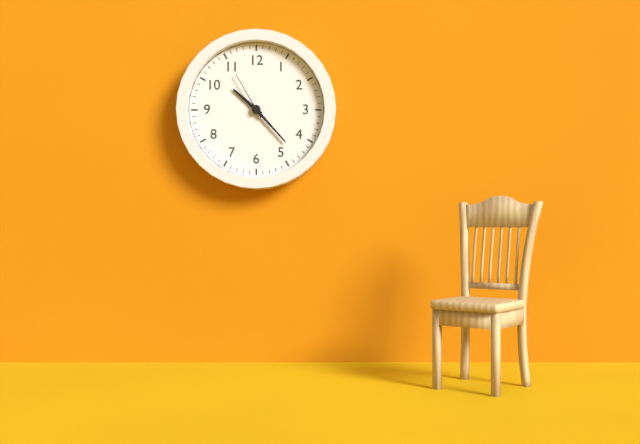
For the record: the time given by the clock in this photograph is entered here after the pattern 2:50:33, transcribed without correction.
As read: 10:23:55
